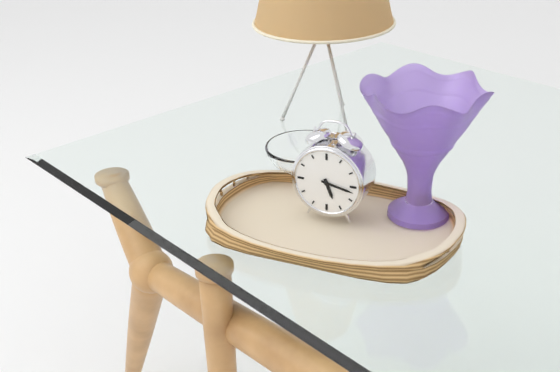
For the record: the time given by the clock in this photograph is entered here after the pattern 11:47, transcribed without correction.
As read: 5:17
